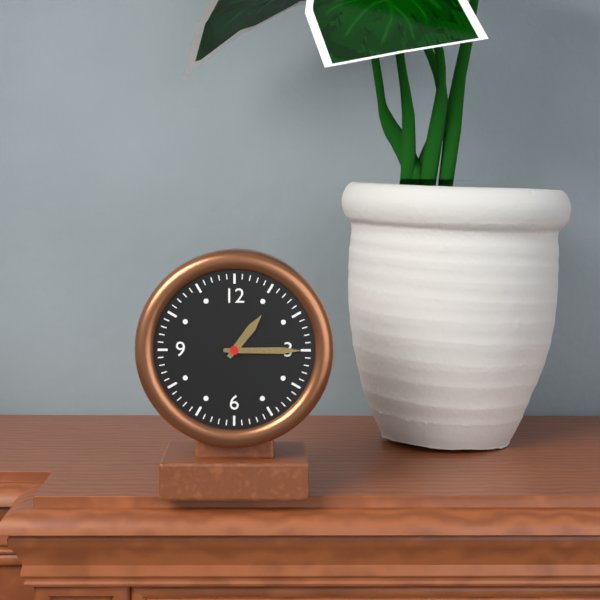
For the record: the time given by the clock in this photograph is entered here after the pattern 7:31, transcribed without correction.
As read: 1:15
